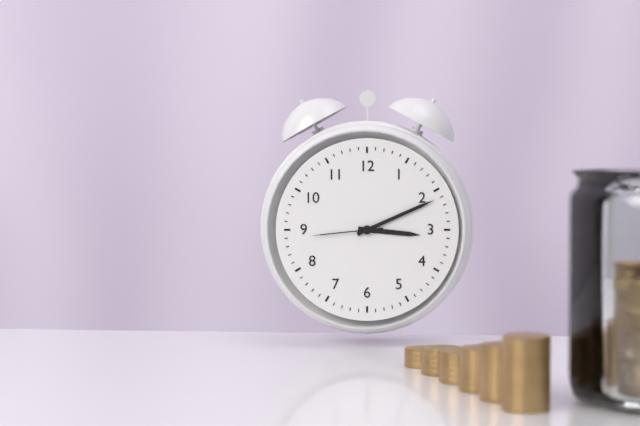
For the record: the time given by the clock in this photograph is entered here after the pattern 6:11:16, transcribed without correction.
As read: 3:11:44
